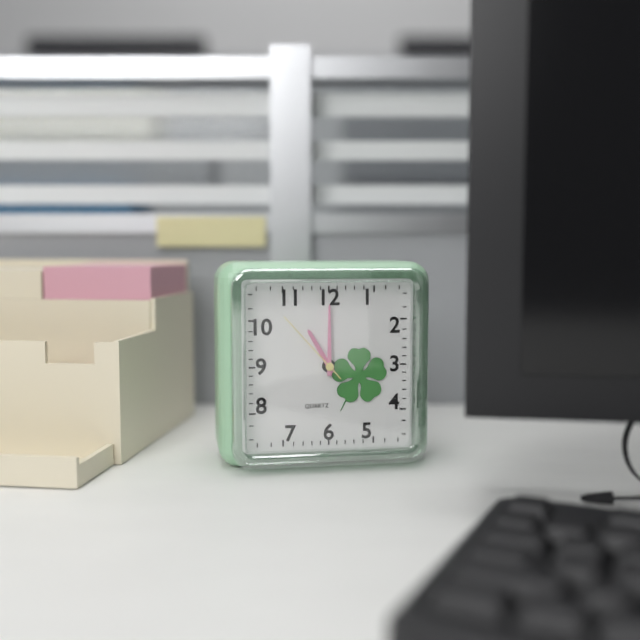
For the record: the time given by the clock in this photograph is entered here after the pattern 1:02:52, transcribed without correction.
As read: 11:00:53
